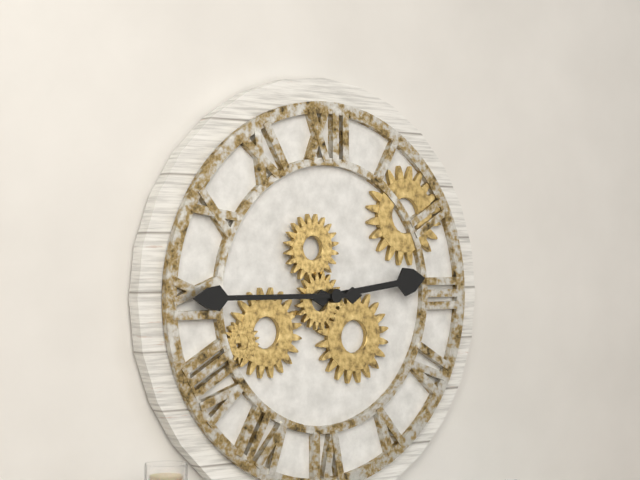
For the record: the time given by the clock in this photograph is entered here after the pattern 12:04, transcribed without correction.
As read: 2:45
